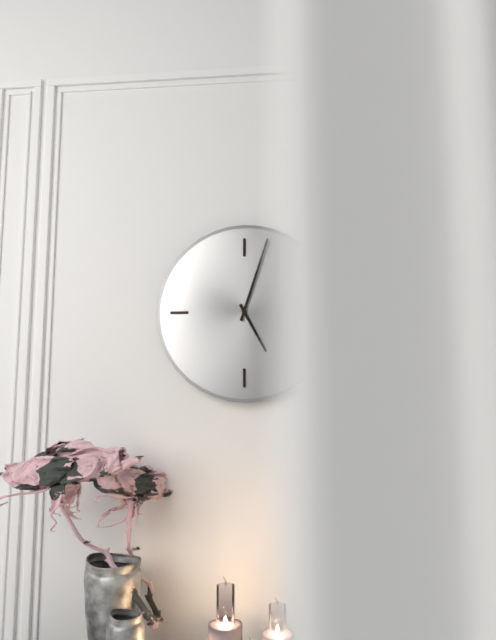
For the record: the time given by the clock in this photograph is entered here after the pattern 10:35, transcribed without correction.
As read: 5:03
